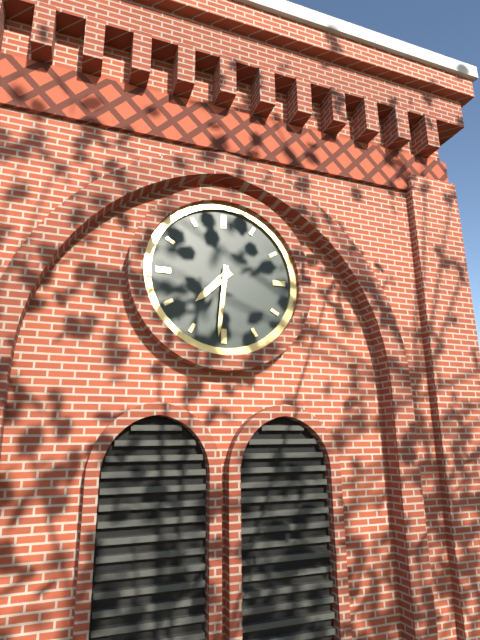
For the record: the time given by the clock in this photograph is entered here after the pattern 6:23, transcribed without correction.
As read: 7:31
